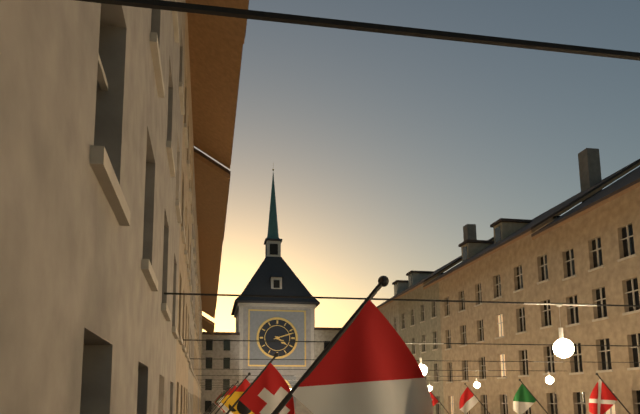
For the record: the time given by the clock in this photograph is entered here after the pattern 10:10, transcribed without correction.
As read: 4:12
